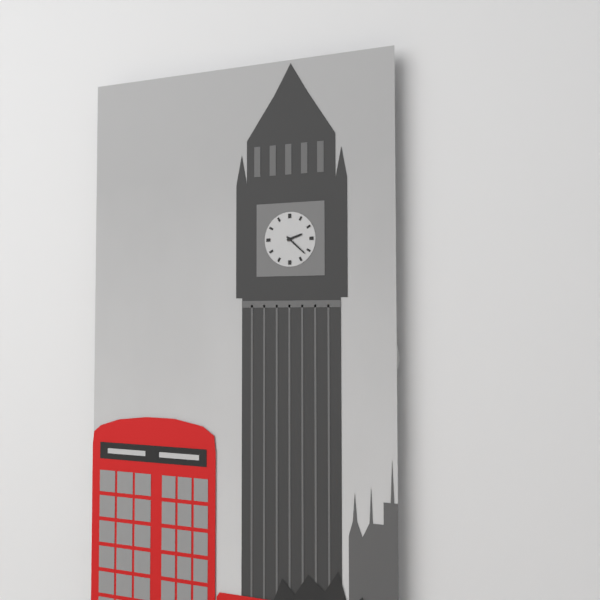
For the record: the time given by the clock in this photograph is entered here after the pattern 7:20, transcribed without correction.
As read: 2:22
